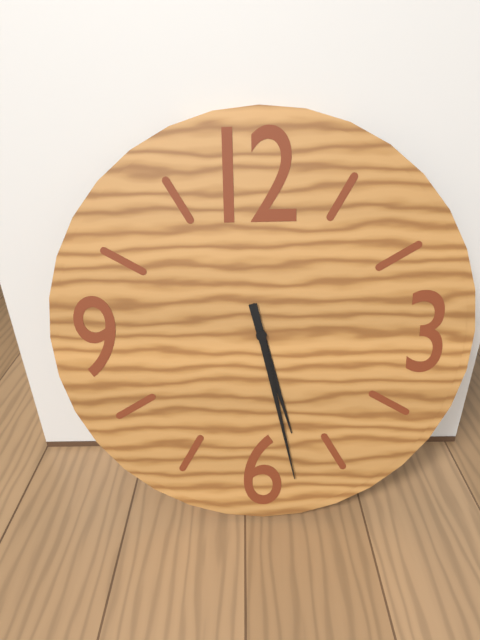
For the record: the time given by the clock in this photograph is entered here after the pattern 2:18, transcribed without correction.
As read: 5:28
